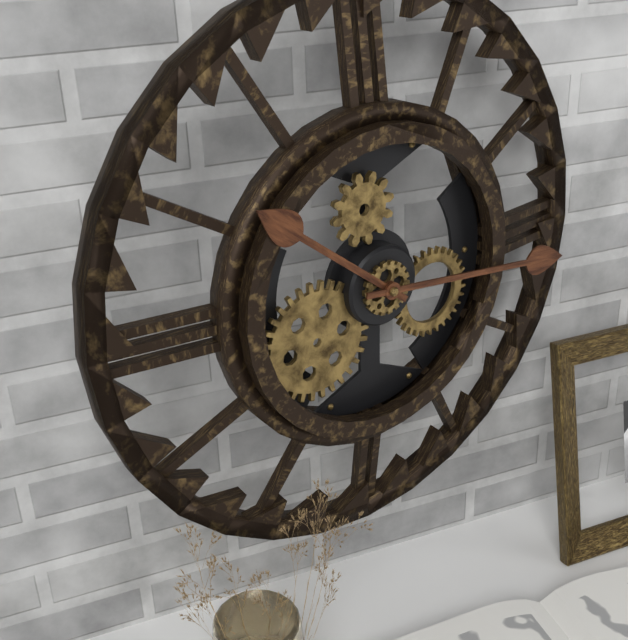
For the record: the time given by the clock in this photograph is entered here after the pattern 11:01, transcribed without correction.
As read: 10:16
